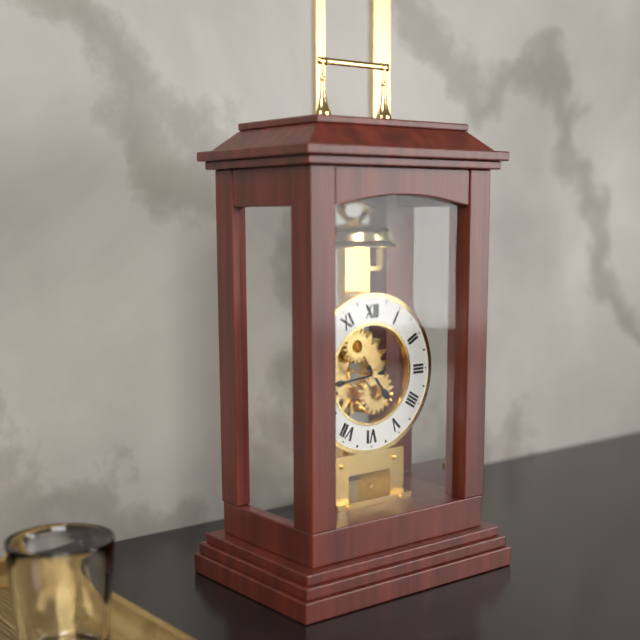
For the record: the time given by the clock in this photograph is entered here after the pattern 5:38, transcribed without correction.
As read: 4:44
